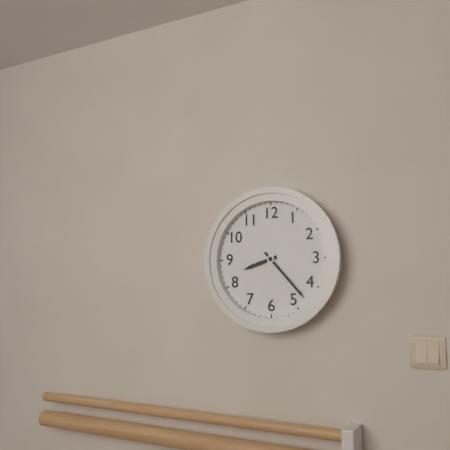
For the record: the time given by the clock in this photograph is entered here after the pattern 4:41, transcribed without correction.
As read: 8:23
